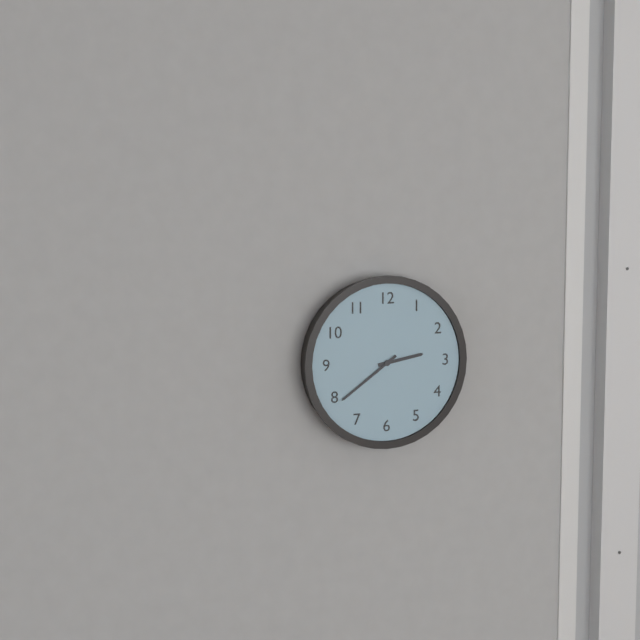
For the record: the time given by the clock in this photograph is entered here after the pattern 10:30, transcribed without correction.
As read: 2:39
